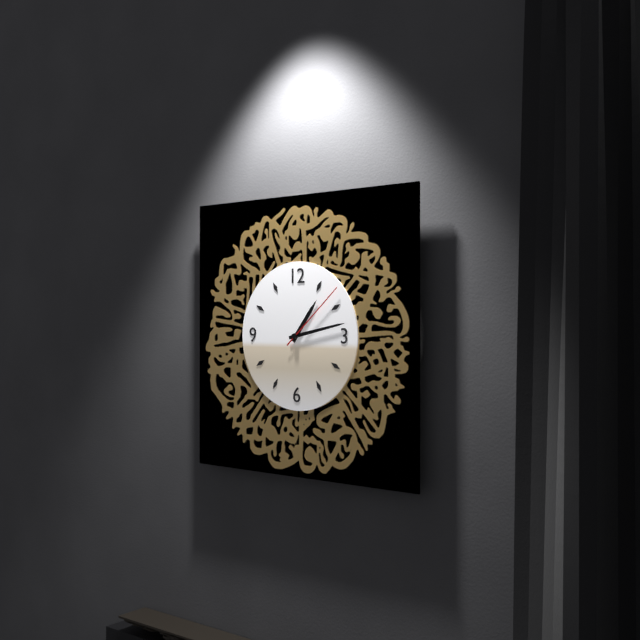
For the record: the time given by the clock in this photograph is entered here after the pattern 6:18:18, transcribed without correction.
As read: 1:13:08
